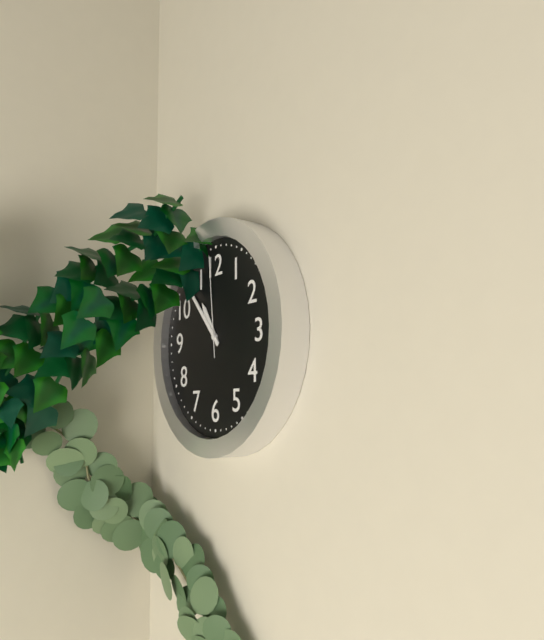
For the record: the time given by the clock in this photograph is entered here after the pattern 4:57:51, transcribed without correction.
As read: 10:53:59
